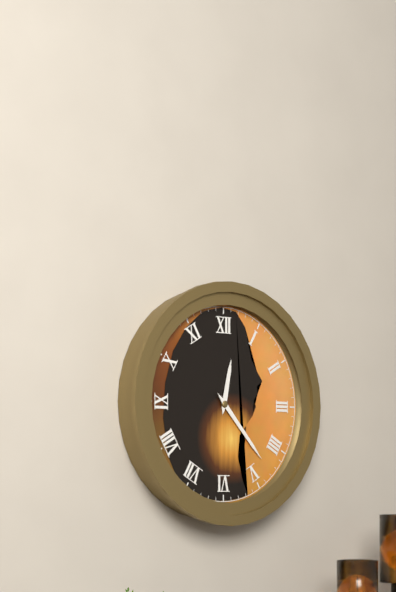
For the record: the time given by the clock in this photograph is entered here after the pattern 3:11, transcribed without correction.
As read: 12:23
